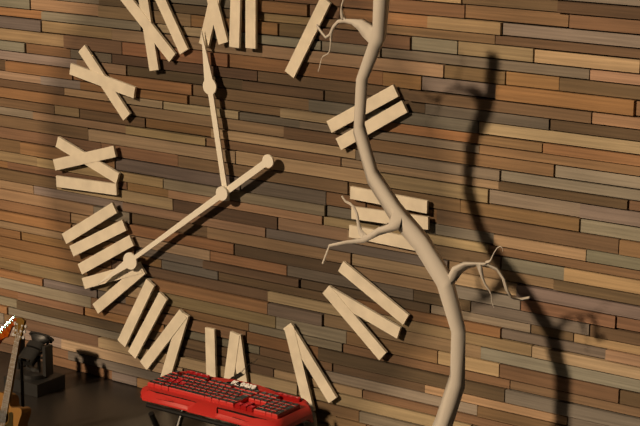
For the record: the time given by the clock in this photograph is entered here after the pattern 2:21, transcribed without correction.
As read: 11:39
